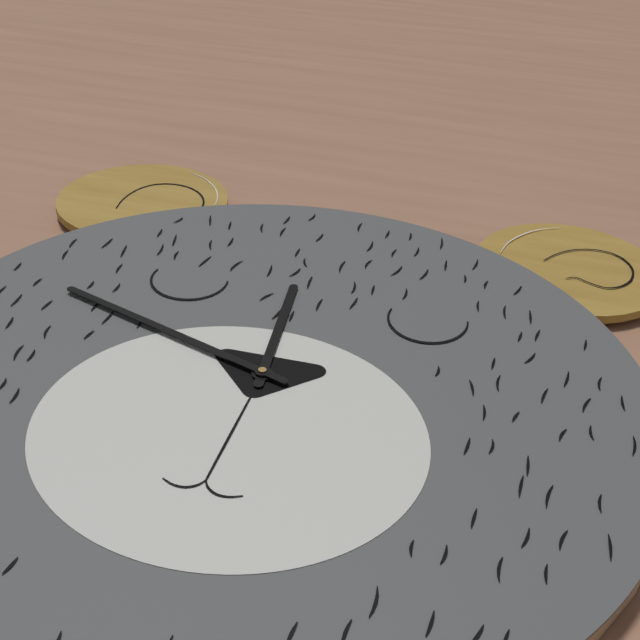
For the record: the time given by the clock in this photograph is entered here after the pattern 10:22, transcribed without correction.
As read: 11:48
